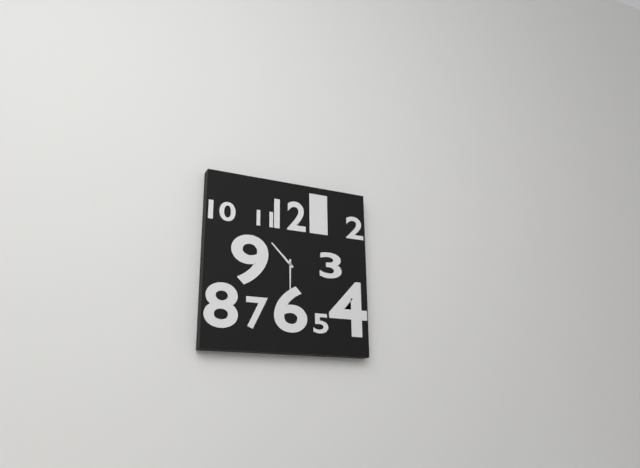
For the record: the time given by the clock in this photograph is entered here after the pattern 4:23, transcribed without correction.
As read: 10:30
